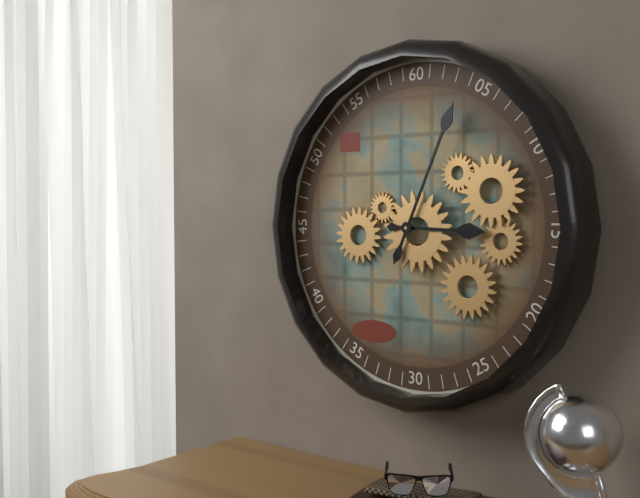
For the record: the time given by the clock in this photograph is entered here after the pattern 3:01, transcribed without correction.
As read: 3:04
